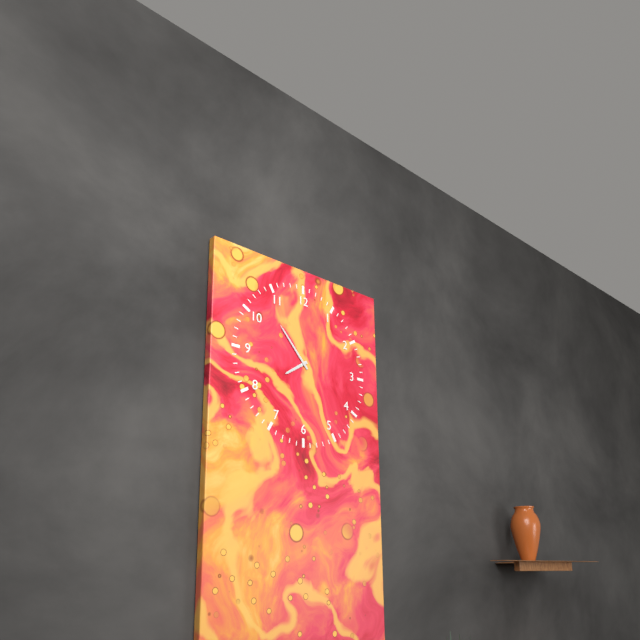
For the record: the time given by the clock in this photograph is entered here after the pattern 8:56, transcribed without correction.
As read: 7:53
